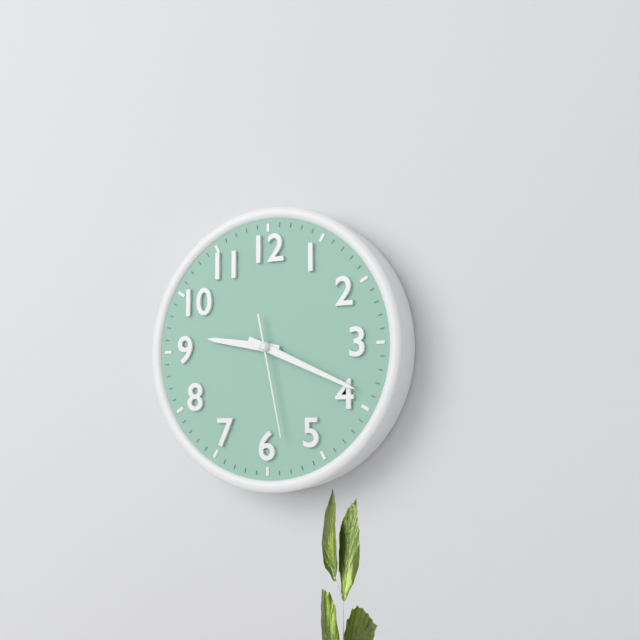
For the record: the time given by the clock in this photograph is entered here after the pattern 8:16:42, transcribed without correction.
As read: 9:19:28
